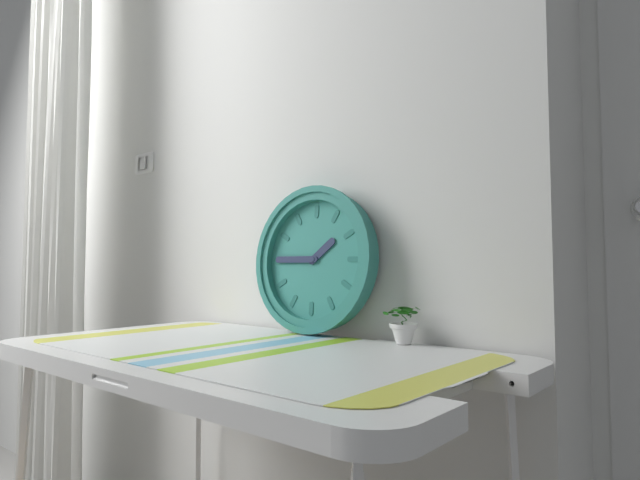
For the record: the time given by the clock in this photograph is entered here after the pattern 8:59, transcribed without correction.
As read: 1:45
